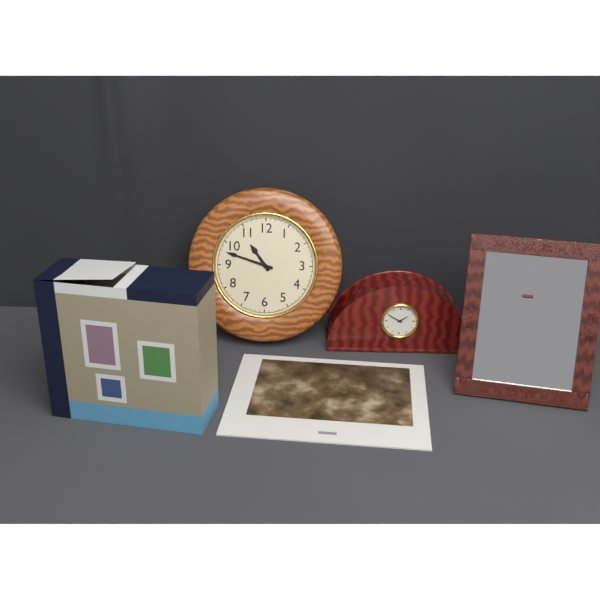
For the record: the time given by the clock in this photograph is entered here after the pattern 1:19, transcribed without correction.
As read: 10:48
